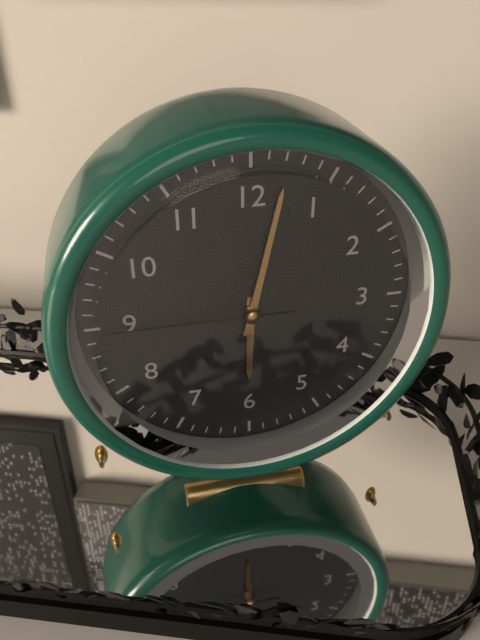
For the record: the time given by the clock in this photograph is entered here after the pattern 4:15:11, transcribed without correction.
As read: 6:02:45
